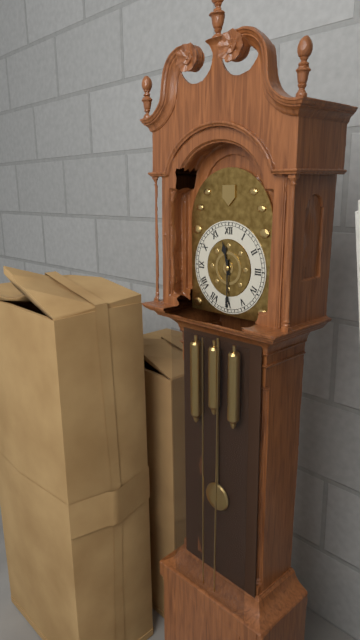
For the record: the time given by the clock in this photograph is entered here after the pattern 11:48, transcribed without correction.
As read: 11:30
